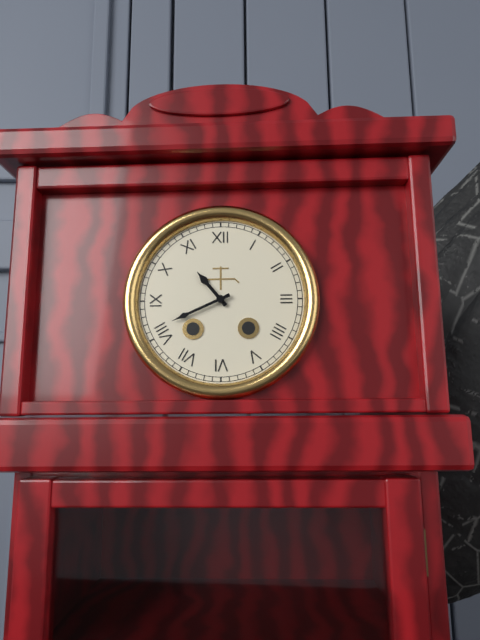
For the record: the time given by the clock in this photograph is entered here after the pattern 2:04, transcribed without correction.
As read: 10:41
